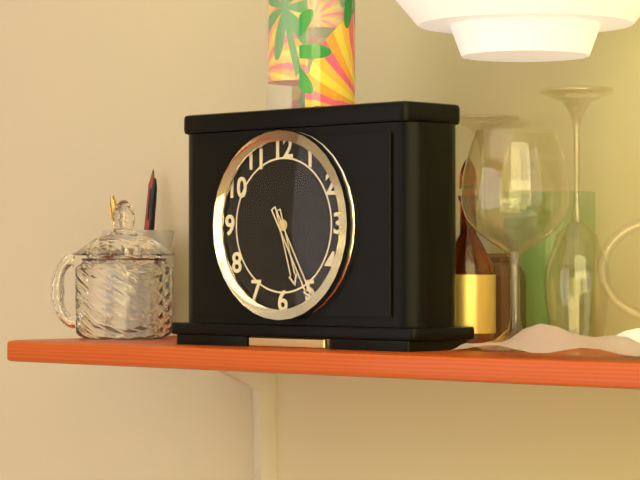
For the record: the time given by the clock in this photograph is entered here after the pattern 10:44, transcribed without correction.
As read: 5:25
